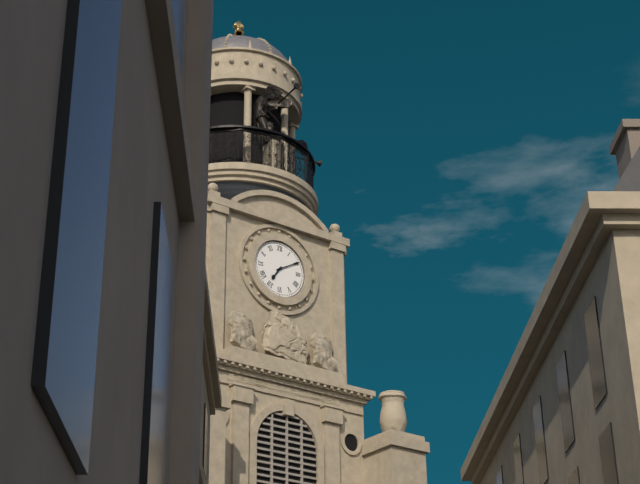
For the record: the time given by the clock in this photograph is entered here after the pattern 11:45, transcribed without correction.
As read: 7:10
